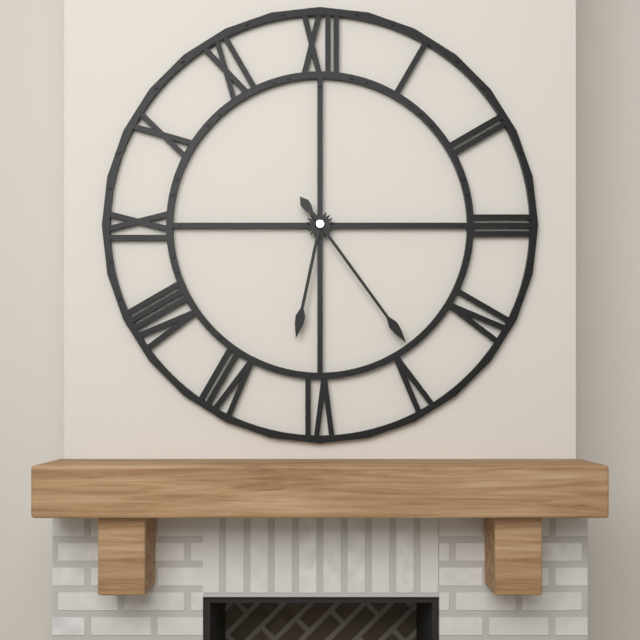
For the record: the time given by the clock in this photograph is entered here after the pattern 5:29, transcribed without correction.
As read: 6:24
